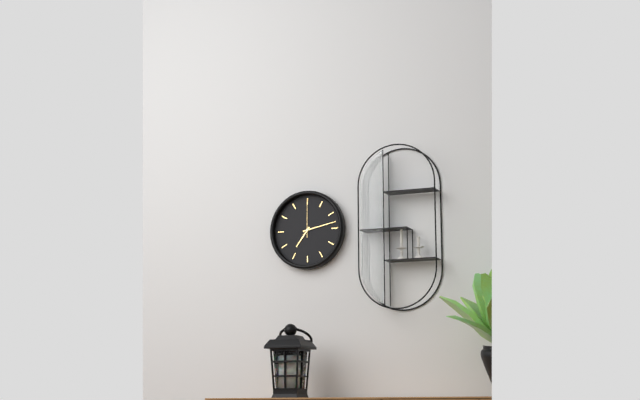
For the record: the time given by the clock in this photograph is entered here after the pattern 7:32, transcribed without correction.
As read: 7:13
